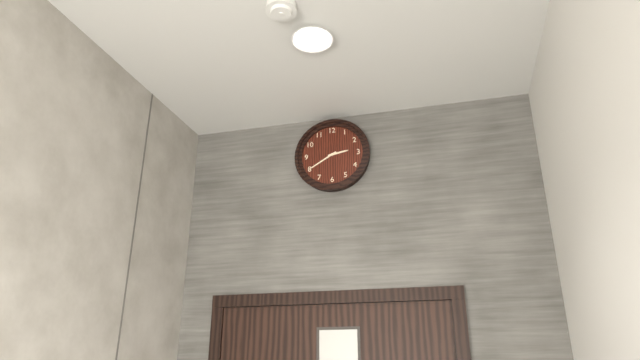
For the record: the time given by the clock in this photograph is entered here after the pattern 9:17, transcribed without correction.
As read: 2:40
